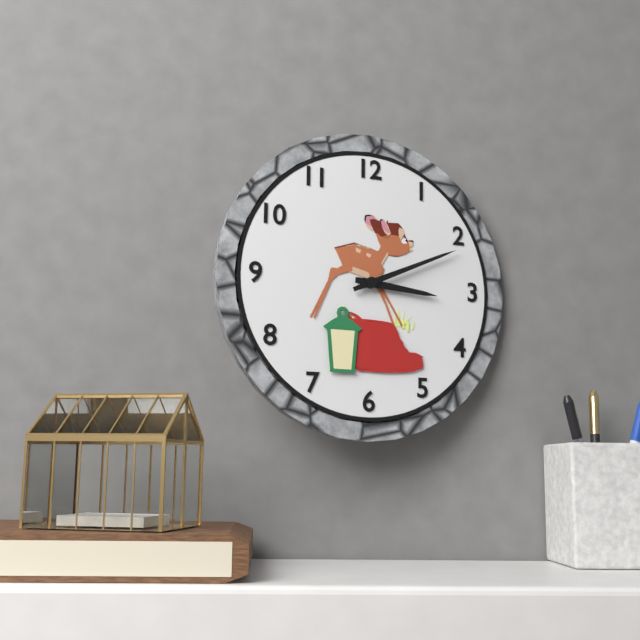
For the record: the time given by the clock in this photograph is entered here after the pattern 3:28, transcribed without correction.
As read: 3:11
